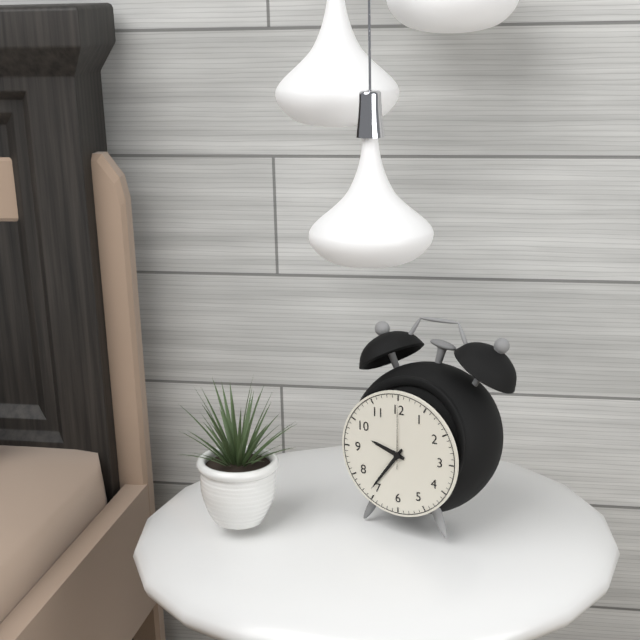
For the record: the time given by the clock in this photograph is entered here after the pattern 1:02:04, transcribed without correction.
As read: 9:36:00
